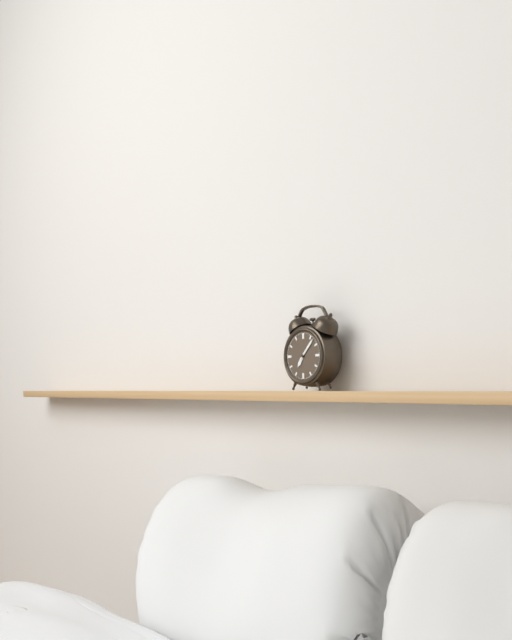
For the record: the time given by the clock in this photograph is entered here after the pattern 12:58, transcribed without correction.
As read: 7:07
